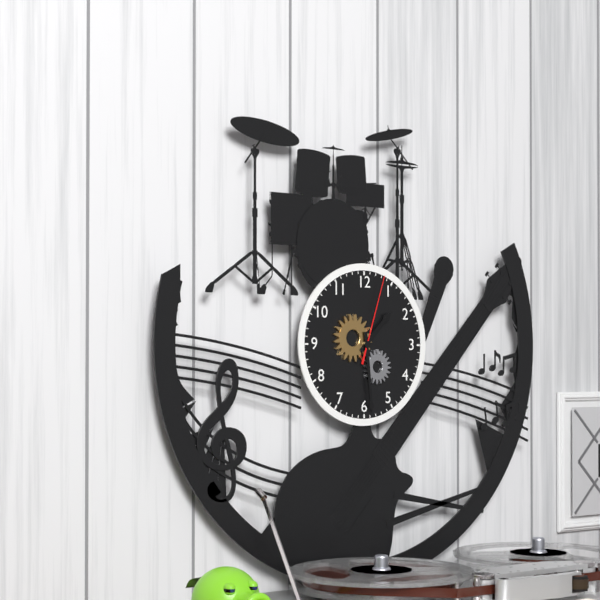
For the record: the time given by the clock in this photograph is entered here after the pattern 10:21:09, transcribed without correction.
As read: 1:29:03
